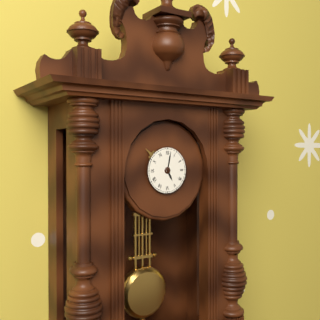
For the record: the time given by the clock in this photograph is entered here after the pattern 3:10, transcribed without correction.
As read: 5:02
